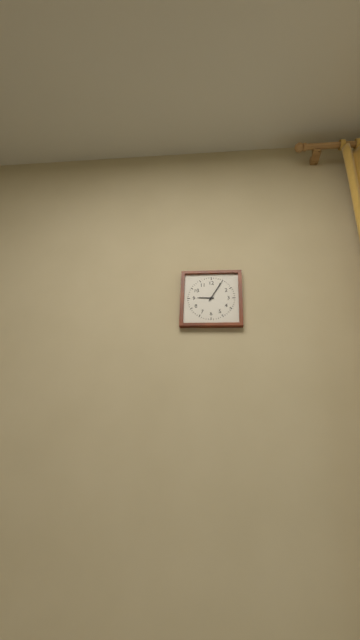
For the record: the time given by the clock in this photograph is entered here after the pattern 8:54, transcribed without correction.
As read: 9:05
